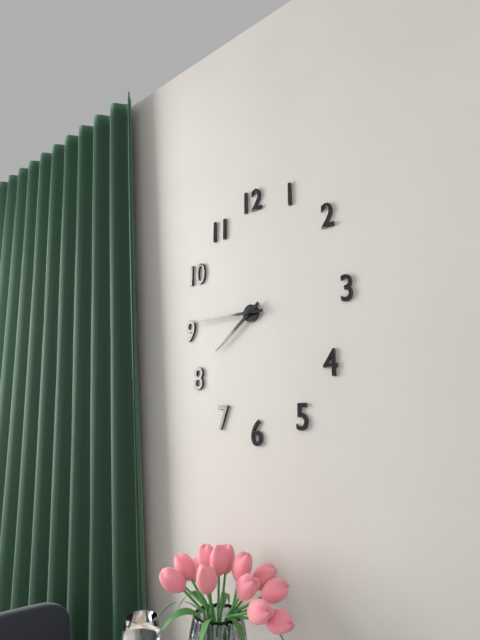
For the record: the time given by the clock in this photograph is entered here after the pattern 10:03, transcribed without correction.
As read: 7:45
